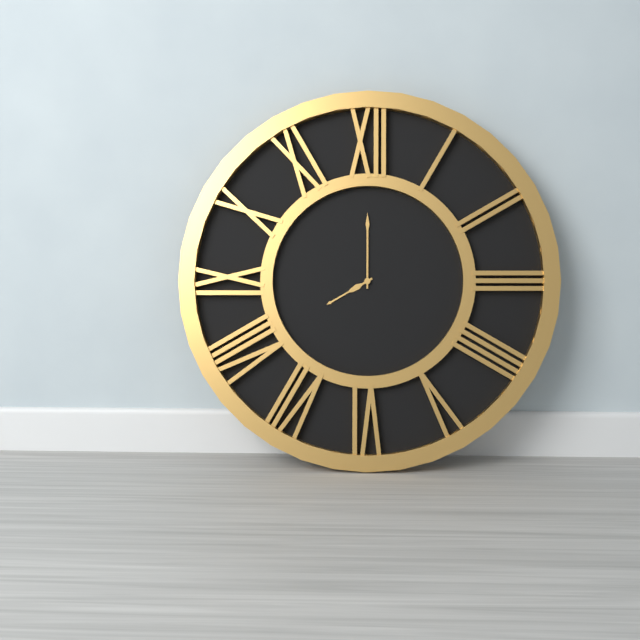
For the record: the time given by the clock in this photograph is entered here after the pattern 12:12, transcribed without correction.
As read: 8:00
